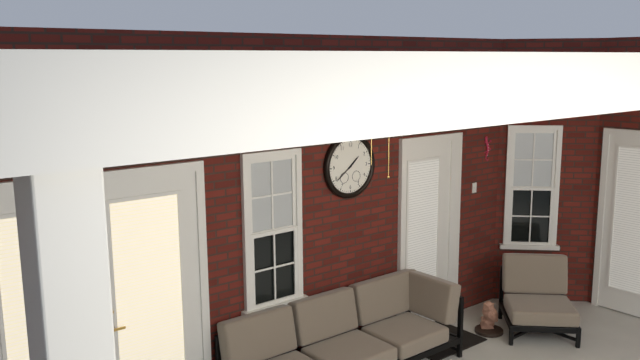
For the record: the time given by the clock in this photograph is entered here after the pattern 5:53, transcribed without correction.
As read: 1:39
